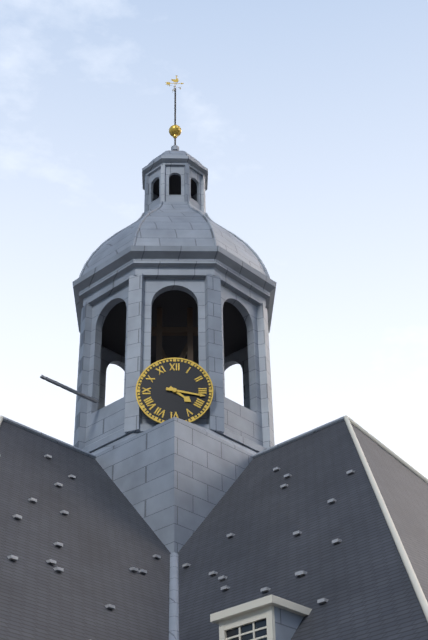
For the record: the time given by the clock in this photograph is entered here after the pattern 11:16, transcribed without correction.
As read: 4:17
